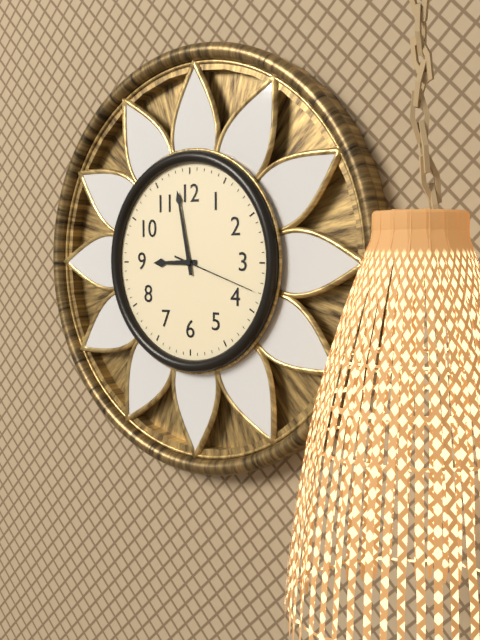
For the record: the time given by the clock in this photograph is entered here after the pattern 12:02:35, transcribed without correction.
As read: 8:58:18
